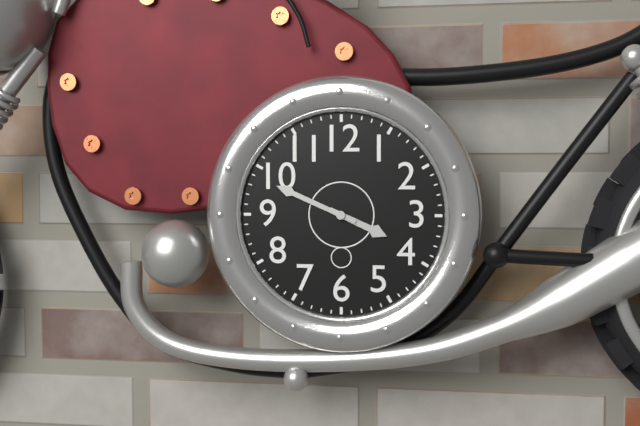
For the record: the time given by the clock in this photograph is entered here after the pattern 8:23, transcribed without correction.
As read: 3:49
